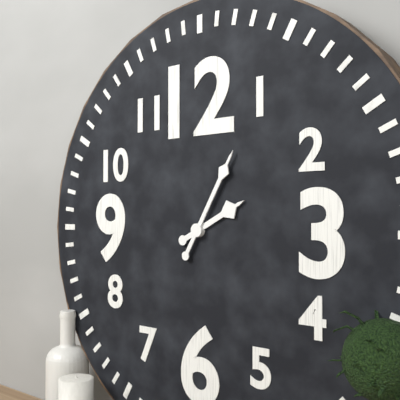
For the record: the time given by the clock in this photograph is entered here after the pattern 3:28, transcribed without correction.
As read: 2:05
